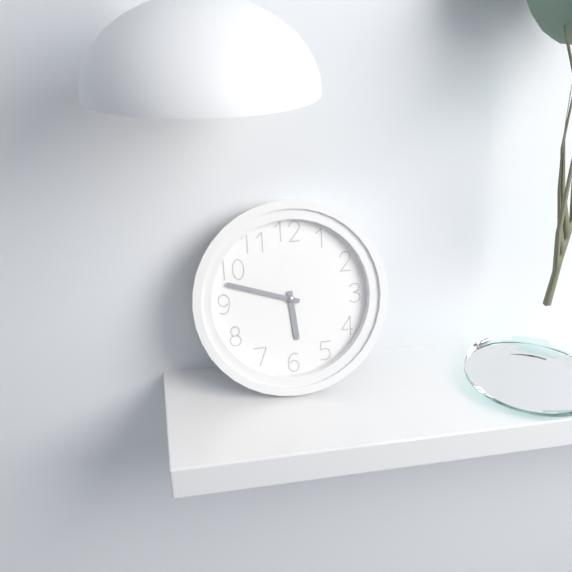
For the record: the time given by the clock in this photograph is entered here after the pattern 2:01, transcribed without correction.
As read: 5:48
